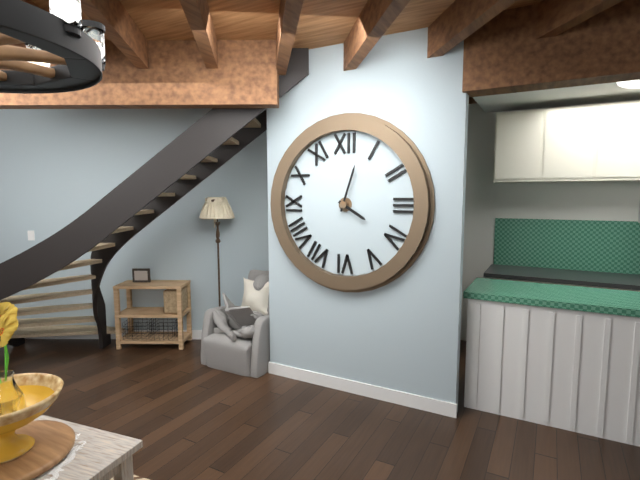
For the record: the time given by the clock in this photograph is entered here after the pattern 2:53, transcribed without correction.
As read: 4:03
